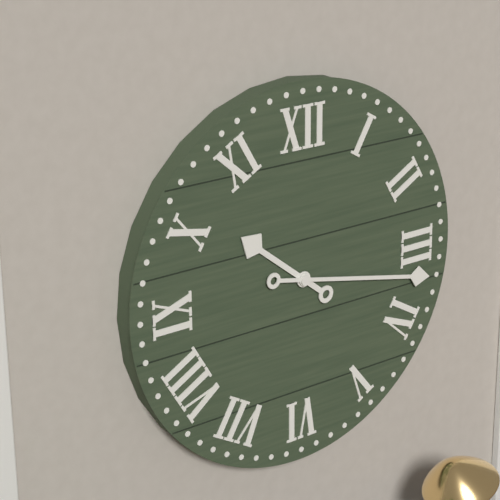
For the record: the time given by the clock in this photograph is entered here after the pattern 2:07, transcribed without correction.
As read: 10:17
